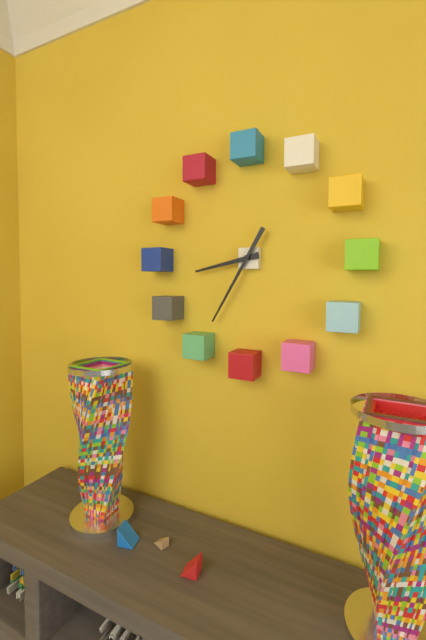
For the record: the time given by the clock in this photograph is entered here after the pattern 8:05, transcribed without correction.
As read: 8:35
